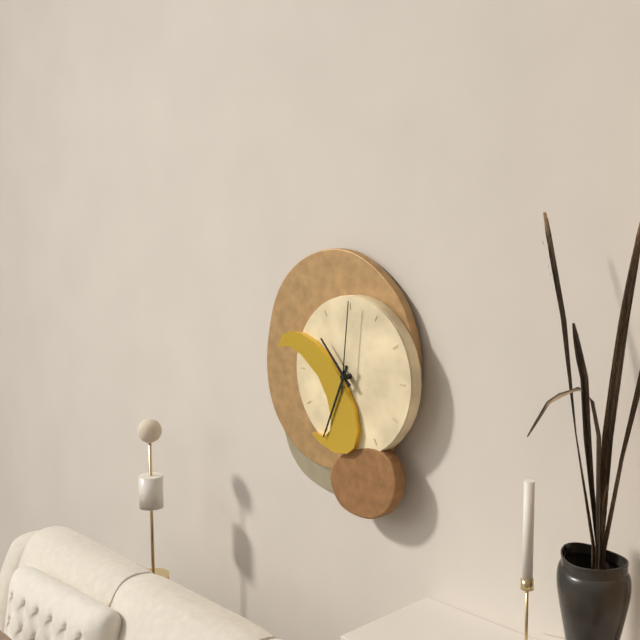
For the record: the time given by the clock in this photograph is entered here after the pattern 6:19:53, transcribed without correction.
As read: 10:34:01
